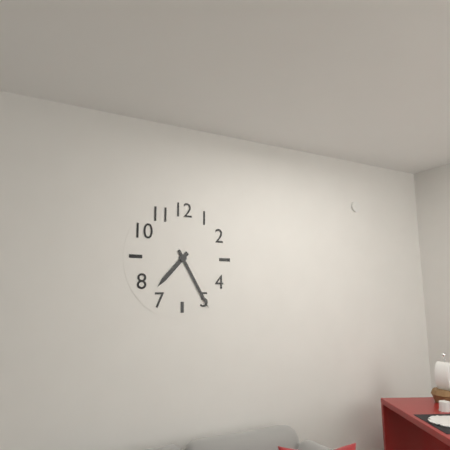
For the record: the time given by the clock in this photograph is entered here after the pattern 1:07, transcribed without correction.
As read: 7:25
